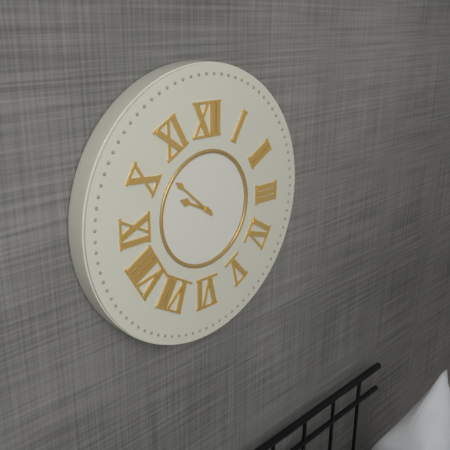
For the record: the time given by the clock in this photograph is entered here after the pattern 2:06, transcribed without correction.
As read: 9:52
